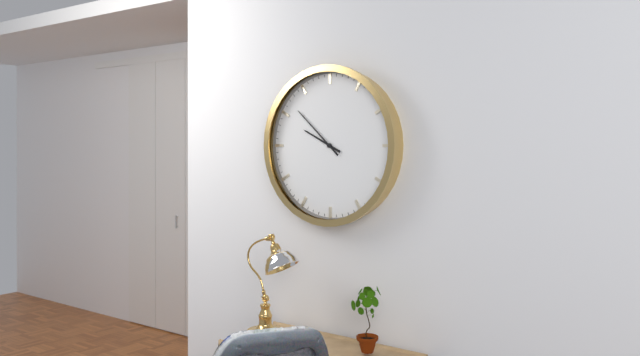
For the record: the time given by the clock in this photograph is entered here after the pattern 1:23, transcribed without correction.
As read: 9:52
